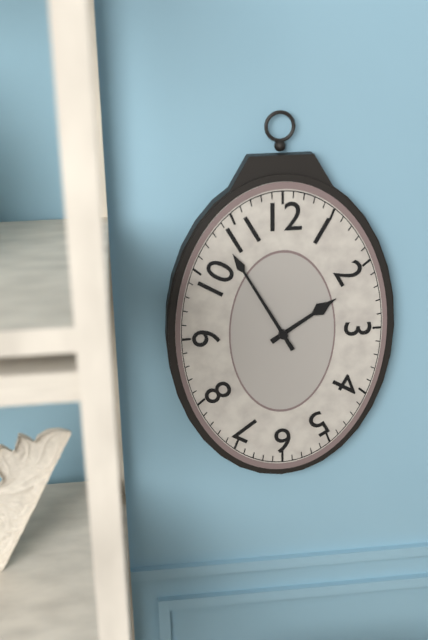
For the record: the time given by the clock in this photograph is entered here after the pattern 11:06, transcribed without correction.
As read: 1:55
